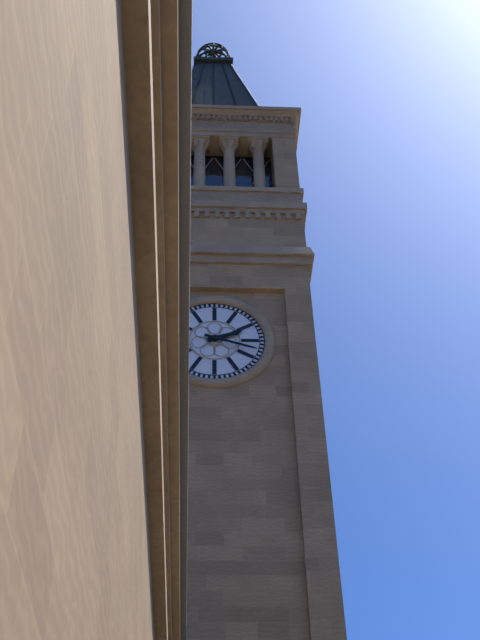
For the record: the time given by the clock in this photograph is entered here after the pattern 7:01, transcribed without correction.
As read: 2:18
